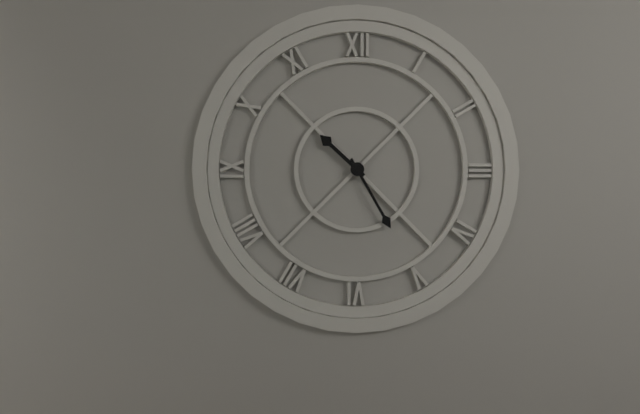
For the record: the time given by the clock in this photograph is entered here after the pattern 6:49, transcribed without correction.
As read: 10:25
